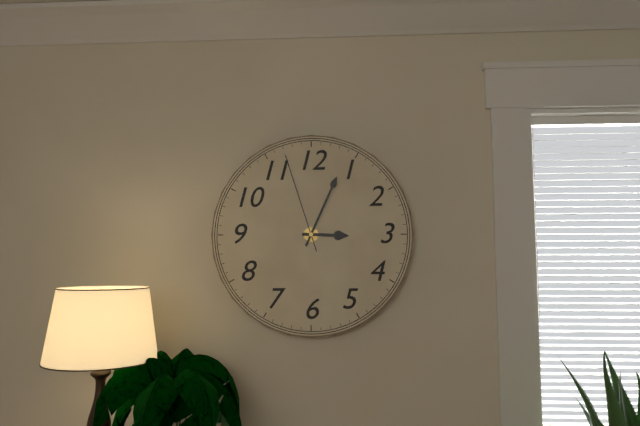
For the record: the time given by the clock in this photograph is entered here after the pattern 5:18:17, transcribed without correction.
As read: 3:04:57
